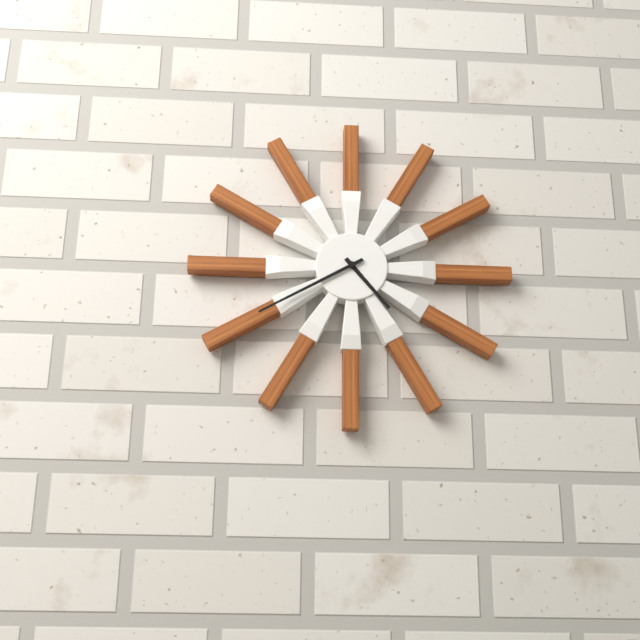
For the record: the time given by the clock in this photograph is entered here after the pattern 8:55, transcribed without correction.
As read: 4:40
